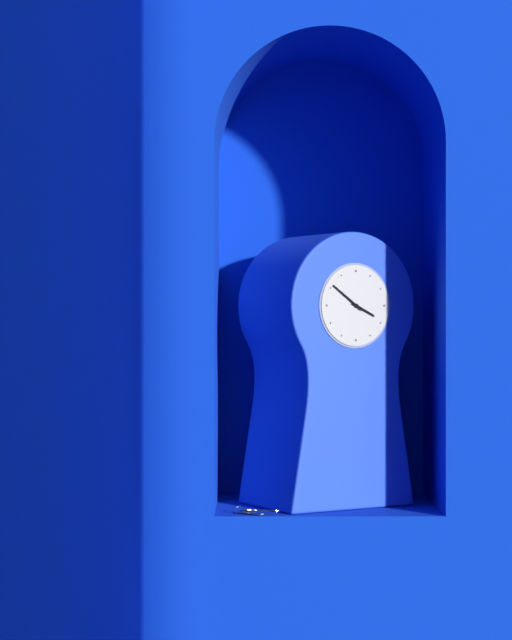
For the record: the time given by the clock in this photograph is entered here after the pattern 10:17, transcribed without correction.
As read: 3:51
